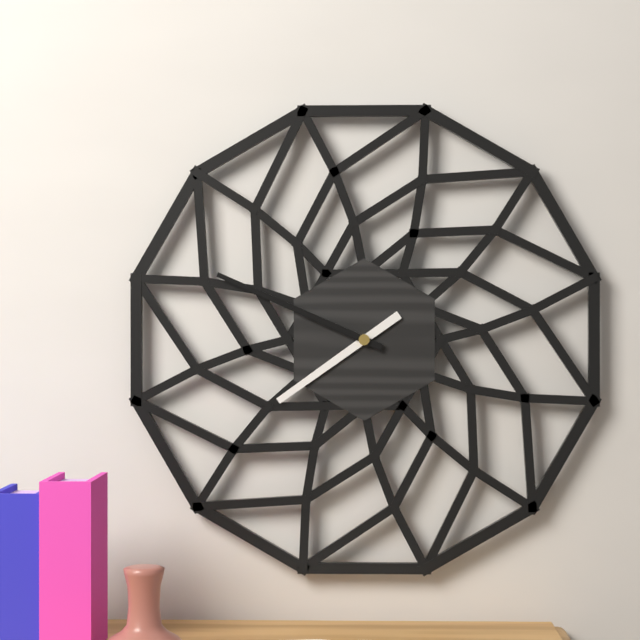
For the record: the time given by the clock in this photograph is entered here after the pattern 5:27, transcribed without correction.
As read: 7:49
